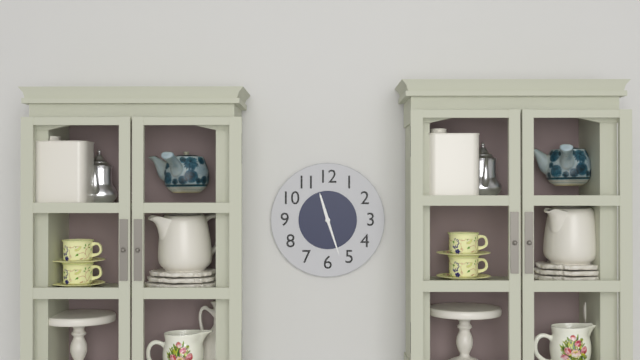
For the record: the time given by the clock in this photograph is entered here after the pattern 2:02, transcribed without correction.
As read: 11:27
